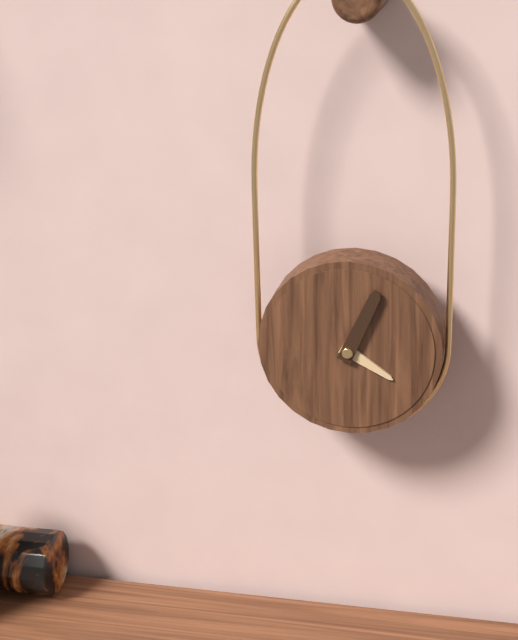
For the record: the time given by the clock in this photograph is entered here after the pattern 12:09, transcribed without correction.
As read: 4:04
